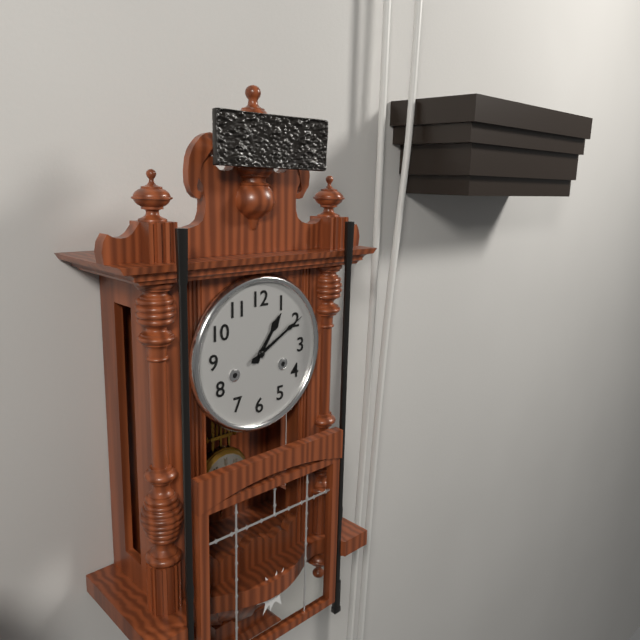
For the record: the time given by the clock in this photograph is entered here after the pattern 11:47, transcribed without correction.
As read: 1:10
